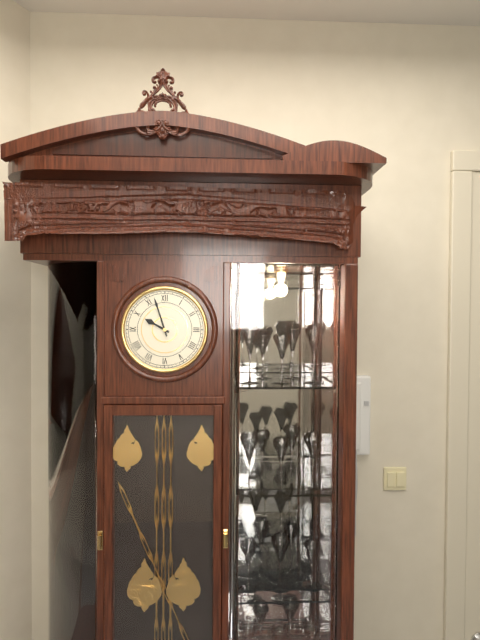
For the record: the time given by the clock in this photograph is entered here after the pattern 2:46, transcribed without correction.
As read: 9:57
